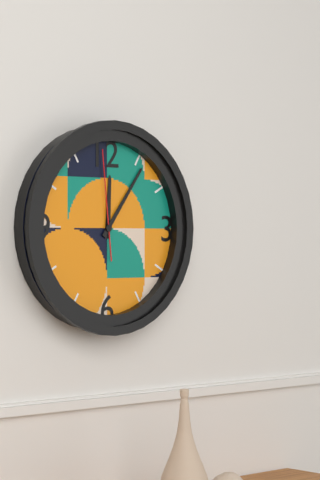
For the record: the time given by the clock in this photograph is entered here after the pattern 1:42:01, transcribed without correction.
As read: 12:06:59
